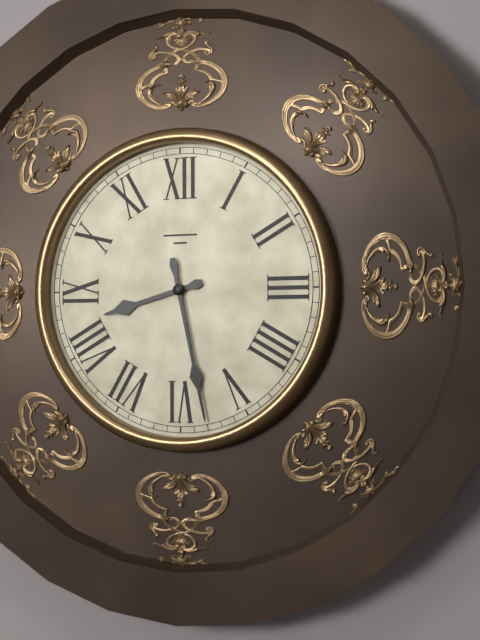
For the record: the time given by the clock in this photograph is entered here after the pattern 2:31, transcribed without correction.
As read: 8:28
